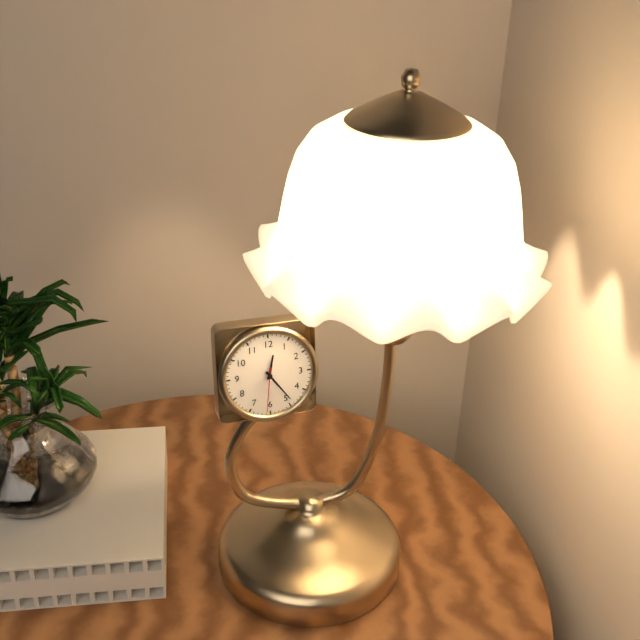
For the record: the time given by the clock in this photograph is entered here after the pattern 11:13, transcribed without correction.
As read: 12:24
